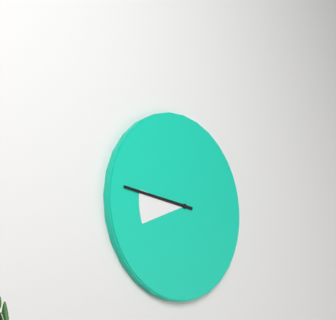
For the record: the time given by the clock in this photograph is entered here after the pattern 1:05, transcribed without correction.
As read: 8:46
